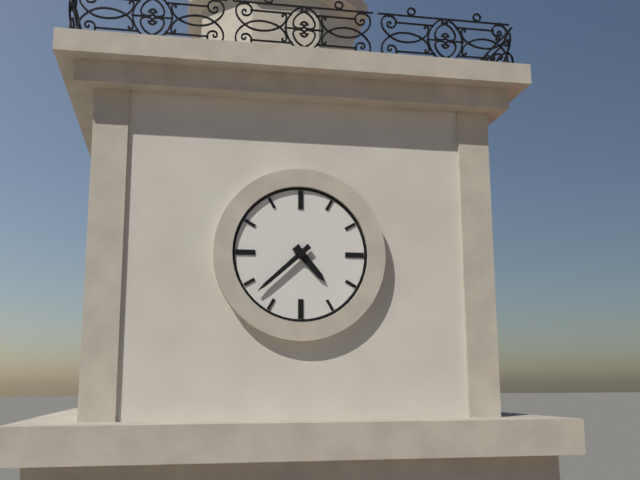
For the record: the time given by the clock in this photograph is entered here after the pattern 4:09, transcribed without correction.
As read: 4:38
